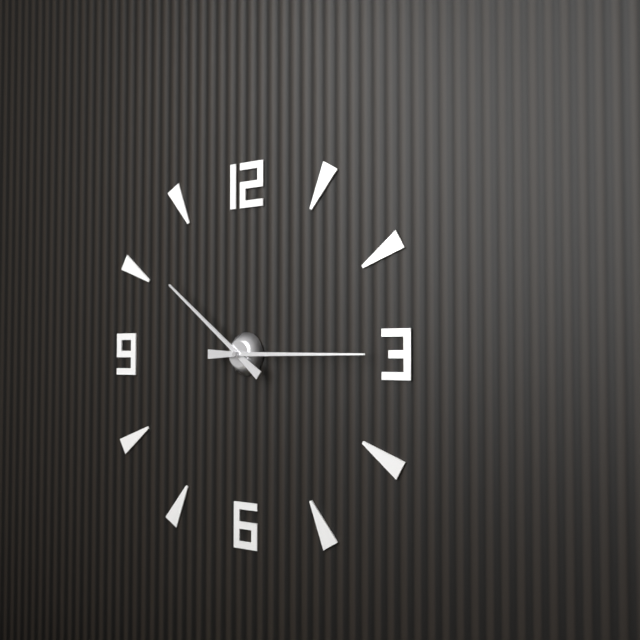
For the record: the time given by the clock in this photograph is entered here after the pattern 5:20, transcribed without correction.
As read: 10:15
